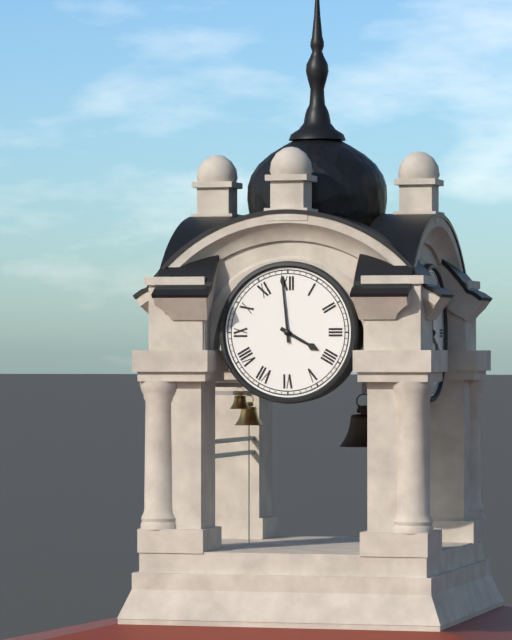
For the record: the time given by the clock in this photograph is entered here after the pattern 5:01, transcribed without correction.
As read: 3:59
